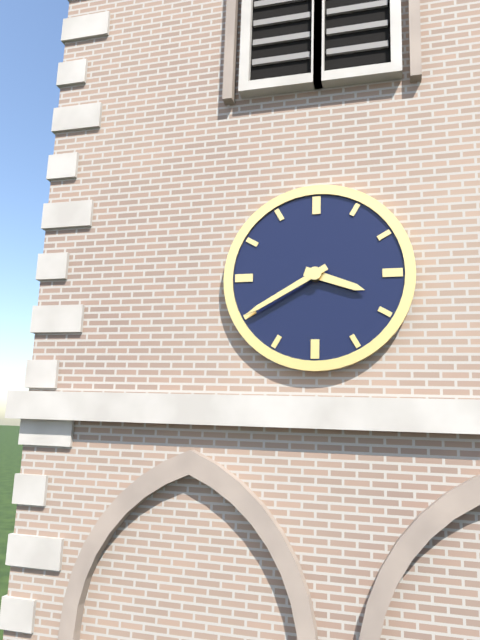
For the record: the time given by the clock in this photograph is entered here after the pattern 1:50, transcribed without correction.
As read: 3:40
